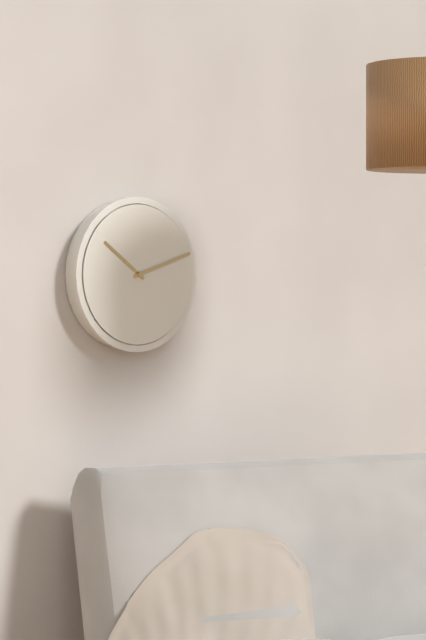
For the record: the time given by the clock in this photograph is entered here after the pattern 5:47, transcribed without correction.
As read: 10:12
